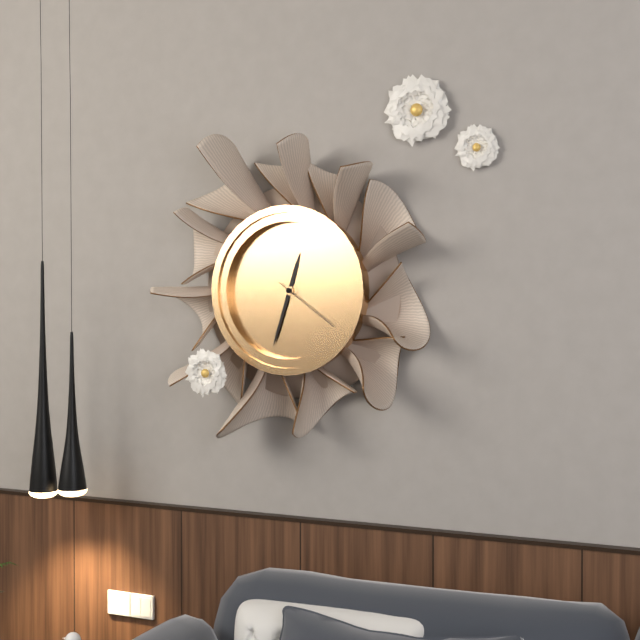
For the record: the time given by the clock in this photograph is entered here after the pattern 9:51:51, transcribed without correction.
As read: 12:33:21
